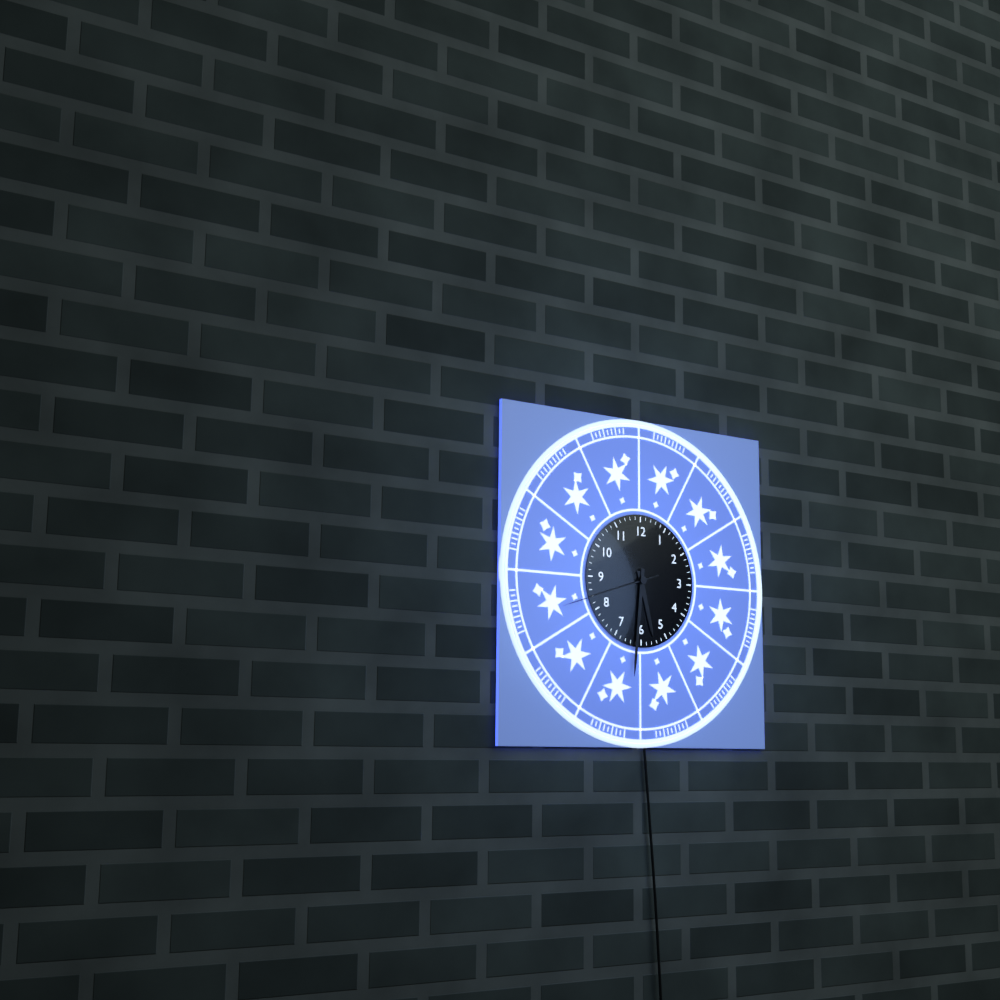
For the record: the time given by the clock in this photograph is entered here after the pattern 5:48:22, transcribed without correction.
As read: 5:31:42
